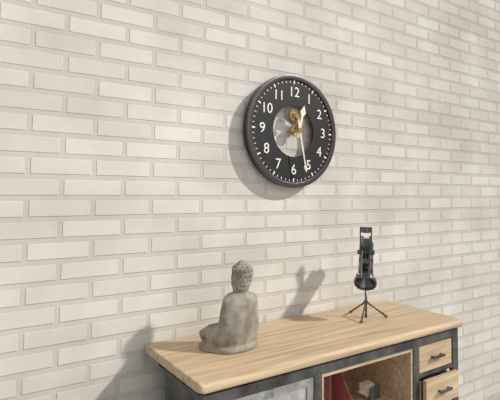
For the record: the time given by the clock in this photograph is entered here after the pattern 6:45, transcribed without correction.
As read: 12:28
